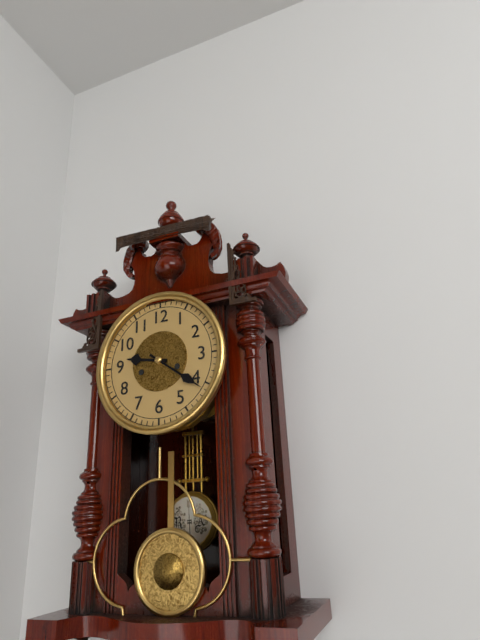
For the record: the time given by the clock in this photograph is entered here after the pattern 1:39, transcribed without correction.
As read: 9:21
